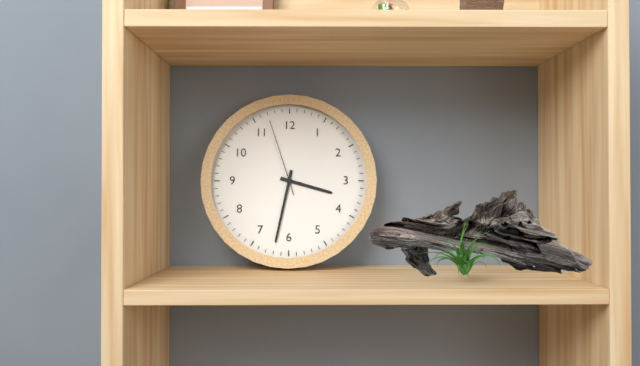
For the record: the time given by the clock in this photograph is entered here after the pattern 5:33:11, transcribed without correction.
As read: 3:32:57
